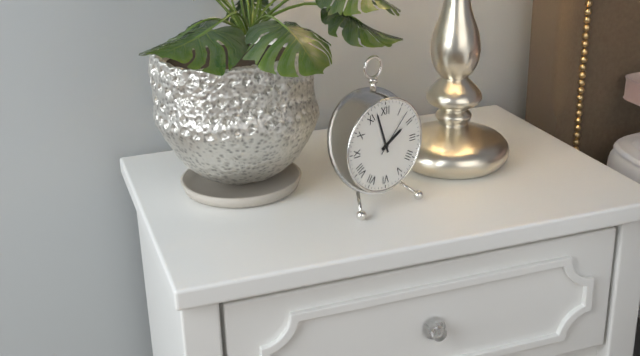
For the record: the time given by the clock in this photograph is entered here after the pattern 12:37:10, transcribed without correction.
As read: 1:57:07
